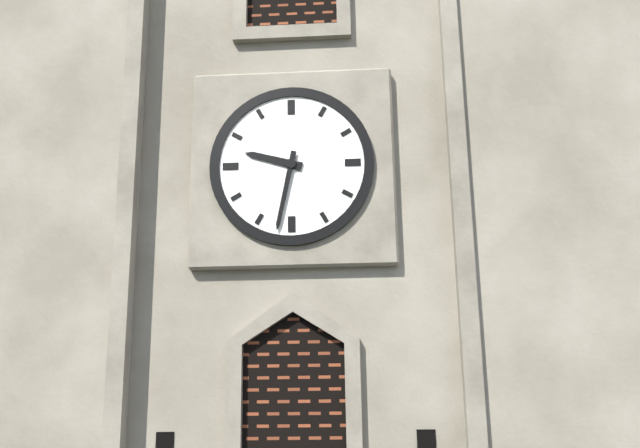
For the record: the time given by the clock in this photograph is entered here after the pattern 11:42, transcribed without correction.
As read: 9:32
